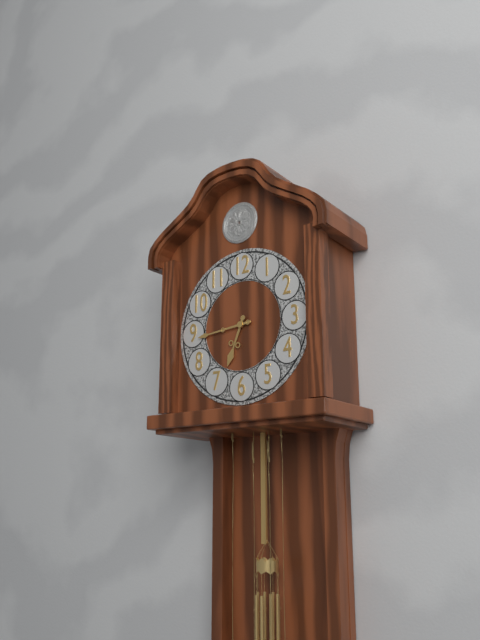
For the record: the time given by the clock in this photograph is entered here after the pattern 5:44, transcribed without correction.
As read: 6:44
